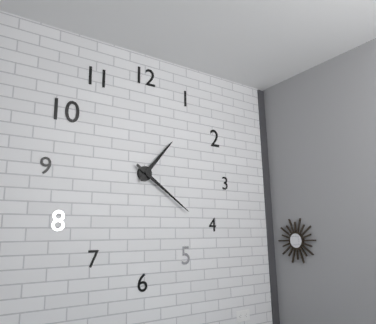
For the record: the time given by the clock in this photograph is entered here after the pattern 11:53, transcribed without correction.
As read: 1:21
